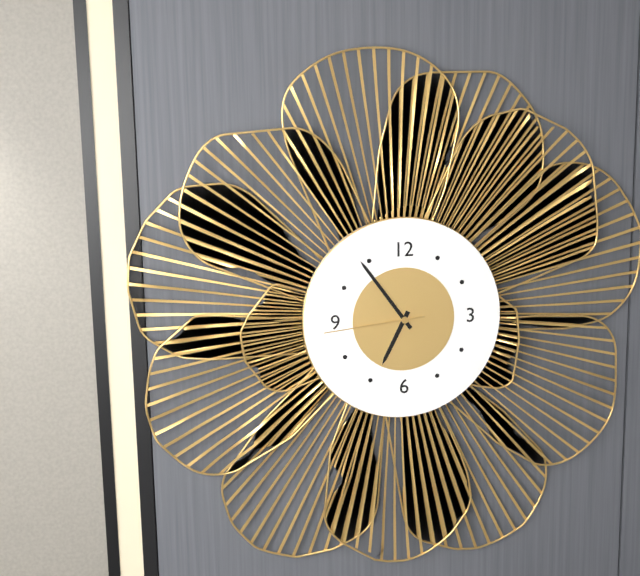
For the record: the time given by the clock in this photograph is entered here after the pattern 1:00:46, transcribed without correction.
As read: 6:54:44
